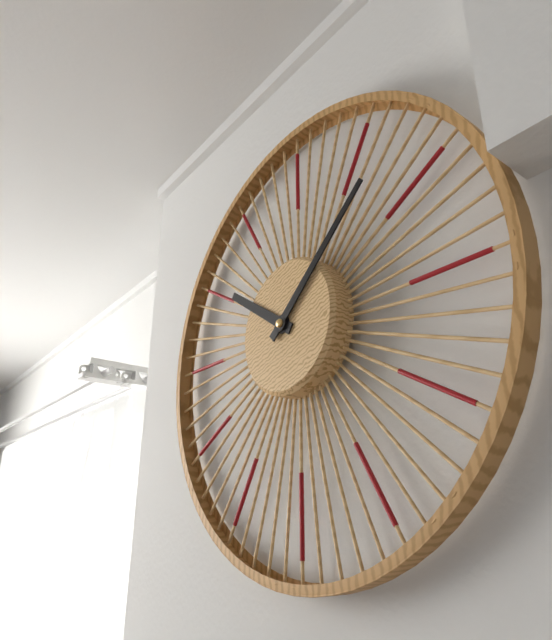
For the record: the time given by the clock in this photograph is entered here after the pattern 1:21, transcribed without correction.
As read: 10:08
